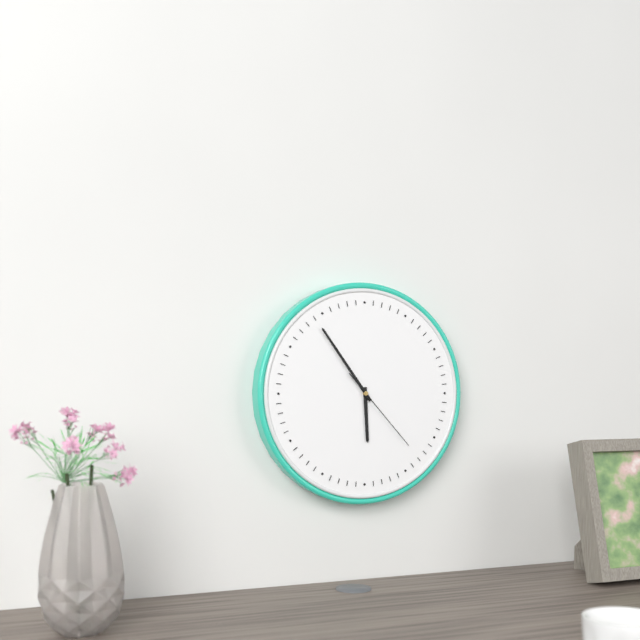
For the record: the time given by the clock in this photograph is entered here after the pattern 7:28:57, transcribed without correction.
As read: 5:54:23
